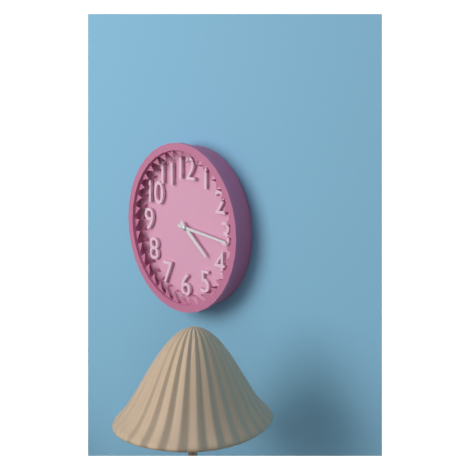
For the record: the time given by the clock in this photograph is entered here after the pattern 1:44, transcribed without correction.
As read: 4:16
